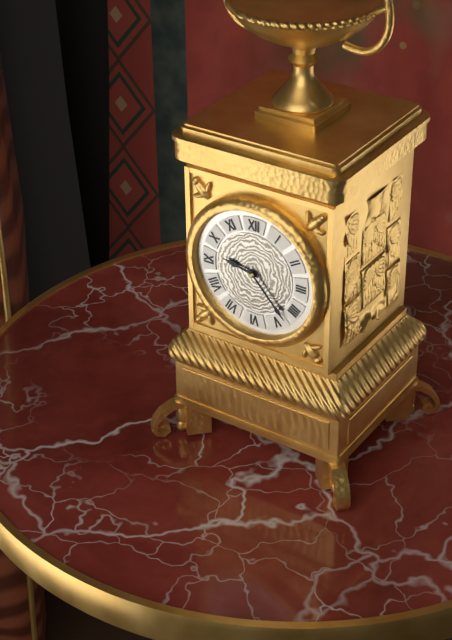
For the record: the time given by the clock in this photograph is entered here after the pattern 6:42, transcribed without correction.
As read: 9:23
